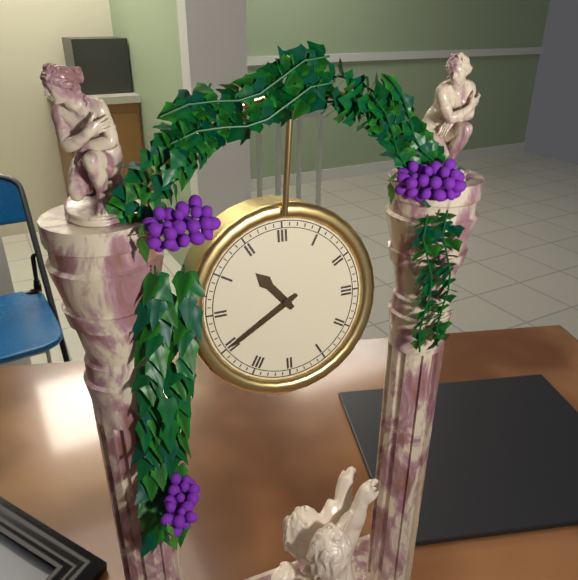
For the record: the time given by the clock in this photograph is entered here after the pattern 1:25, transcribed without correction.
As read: 10:40
